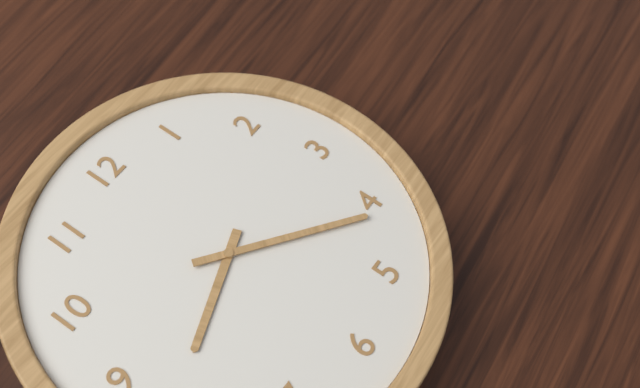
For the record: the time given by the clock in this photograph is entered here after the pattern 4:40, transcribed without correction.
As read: 8:21
